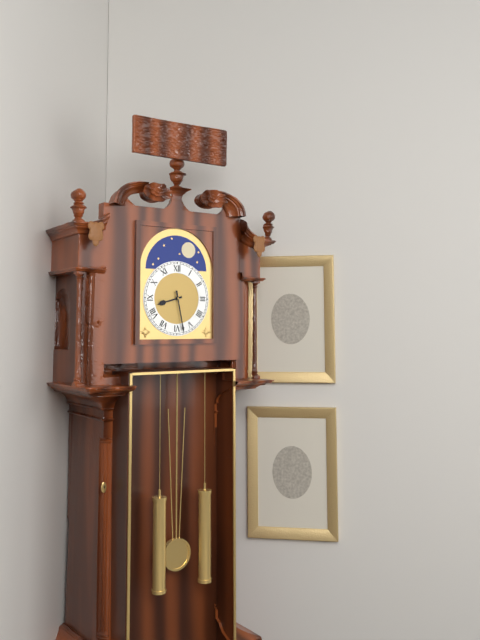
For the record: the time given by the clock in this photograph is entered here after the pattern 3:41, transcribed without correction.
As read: 8:28
